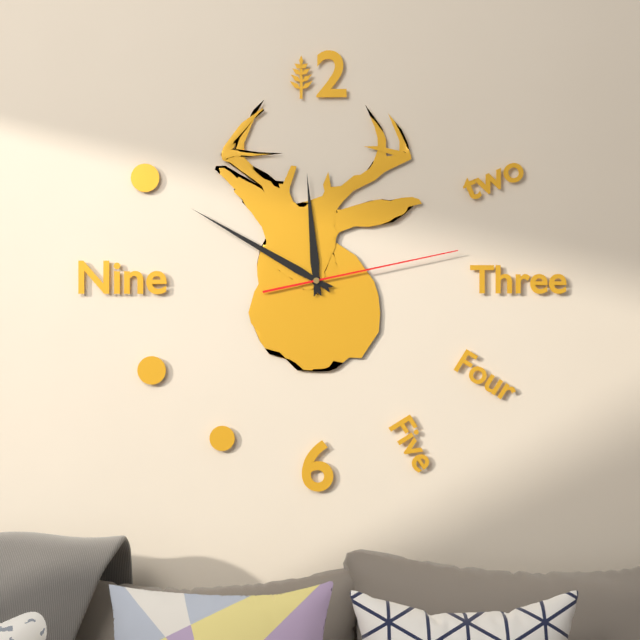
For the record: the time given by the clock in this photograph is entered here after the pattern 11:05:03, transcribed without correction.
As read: 11:50:13
